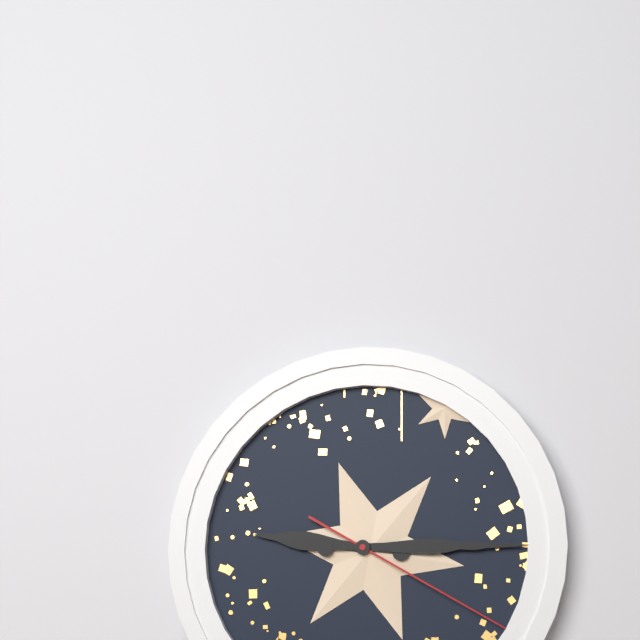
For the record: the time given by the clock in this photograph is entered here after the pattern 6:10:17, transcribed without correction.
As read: 9:15:20
